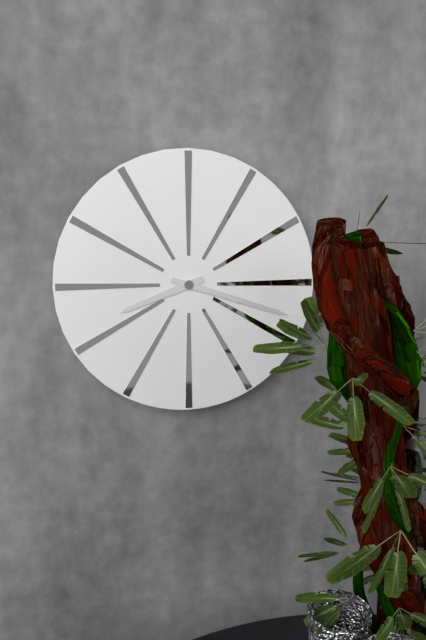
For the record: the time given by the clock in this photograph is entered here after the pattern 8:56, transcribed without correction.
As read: 8:18
